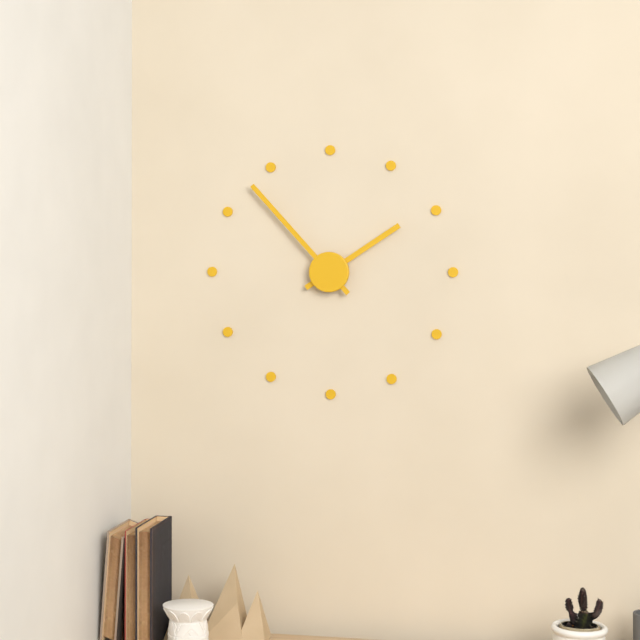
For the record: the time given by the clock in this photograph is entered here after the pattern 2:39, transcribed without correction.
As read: 1:53
